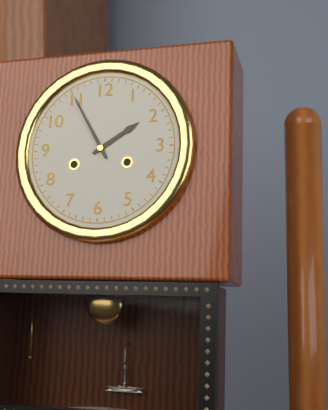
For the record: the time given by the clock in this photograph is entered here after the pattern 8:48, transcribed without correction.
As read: 1:55
